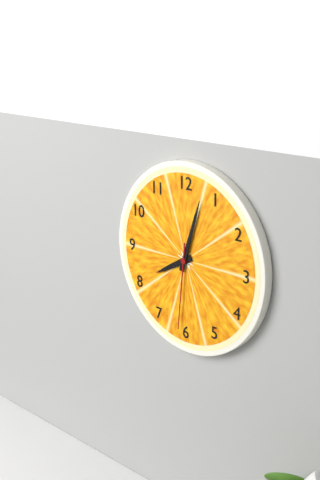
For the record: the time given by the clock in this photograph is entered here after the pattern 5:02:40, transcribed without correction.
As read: 8:03:31
